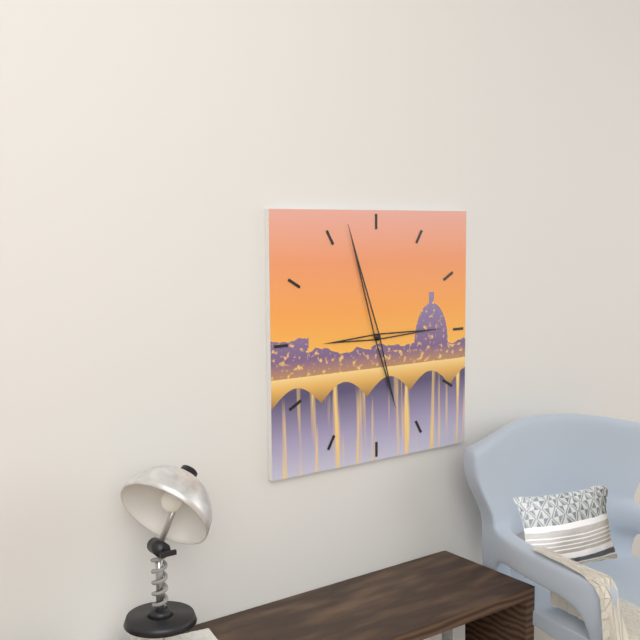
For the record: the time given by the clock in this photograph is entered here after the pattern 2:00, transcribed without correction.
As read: 2:57
